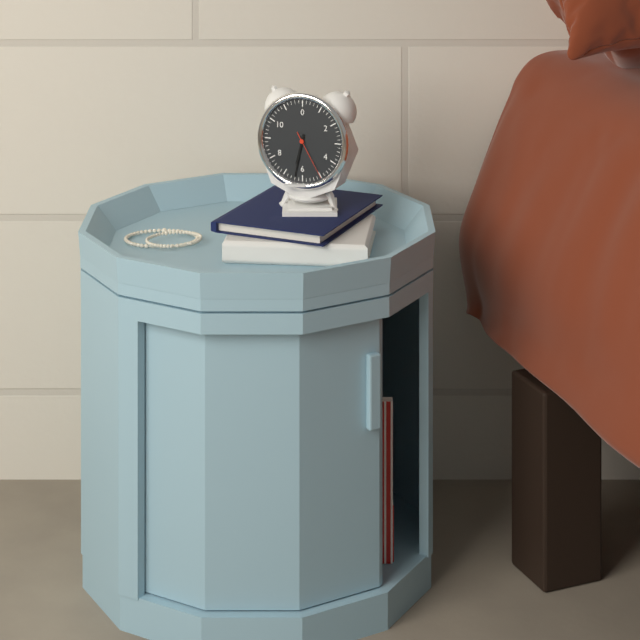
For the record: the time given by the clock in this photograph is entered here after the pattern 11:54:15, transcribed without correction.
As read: 6:32:25
